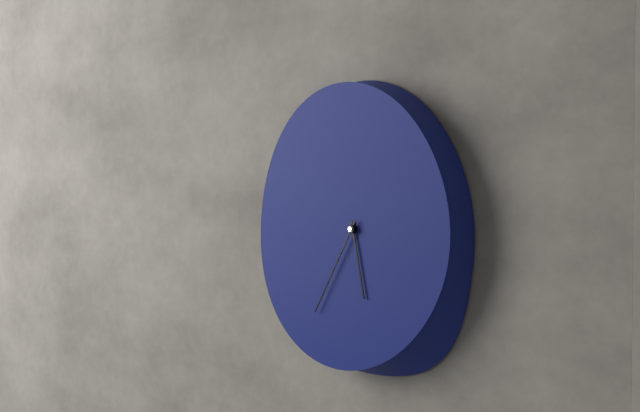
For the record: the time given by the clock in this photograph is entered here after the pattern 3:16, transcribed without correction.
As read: 5:35
